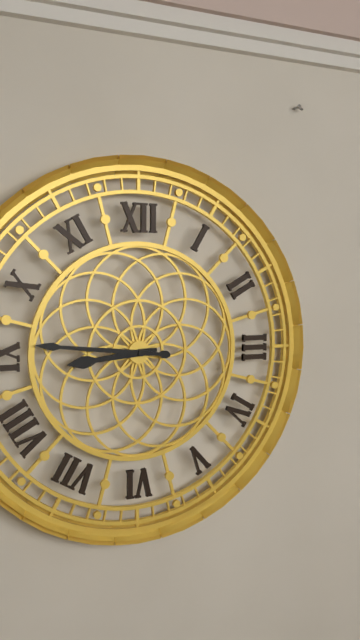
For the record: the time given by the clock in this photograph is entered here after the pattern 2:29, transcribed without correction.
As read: 8:46
